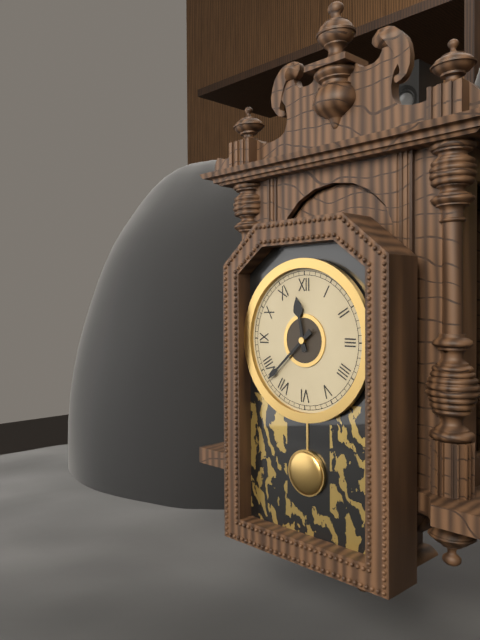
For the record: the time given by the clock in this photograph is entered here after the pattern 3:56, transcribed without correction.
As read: 11:38
